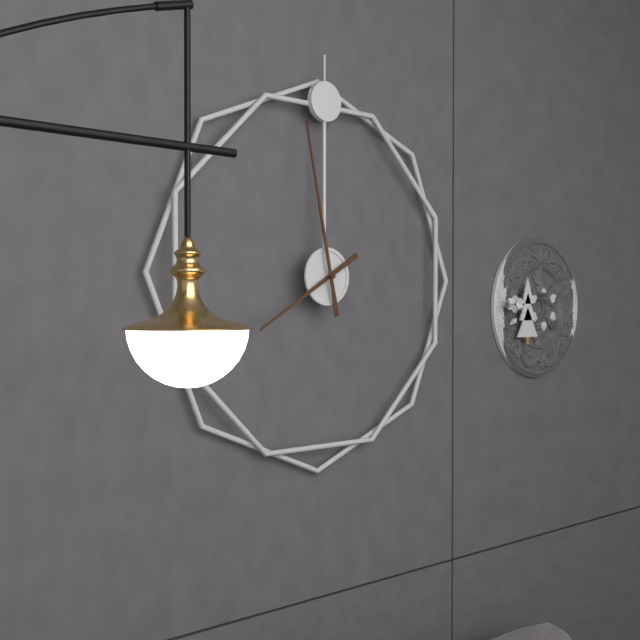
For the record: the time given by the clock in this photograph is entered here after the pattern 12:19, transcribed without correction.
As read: 7:58
